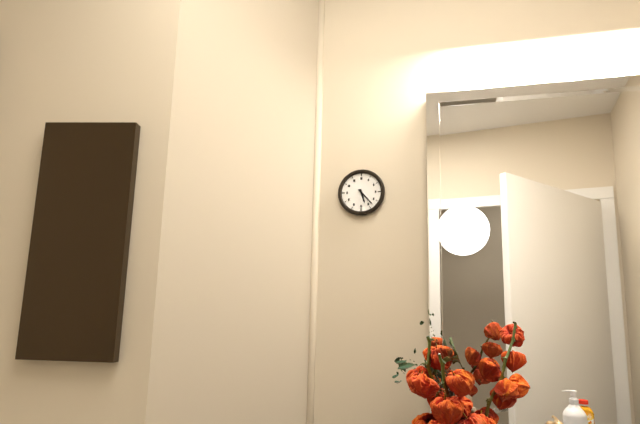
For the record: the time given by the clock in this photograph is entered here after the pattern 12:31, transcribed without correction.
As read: 5:23
